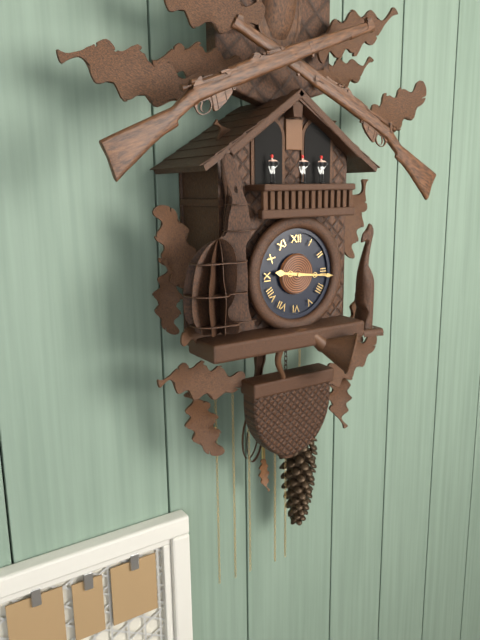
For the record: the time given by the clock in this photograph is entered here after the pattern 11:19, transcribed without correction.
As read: 9:16
